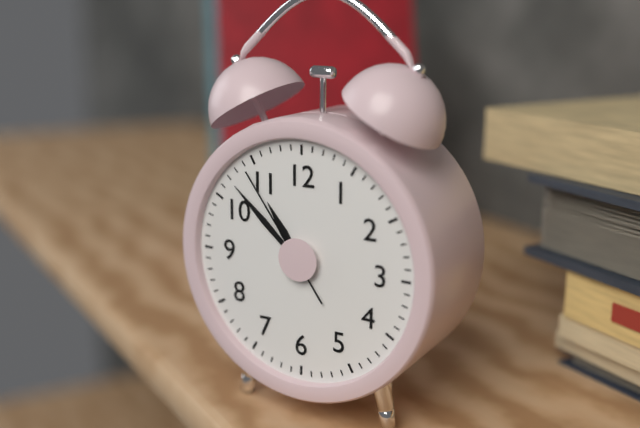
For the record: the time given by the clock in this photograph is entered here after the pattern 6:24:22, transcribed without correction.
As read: 10:52:54
